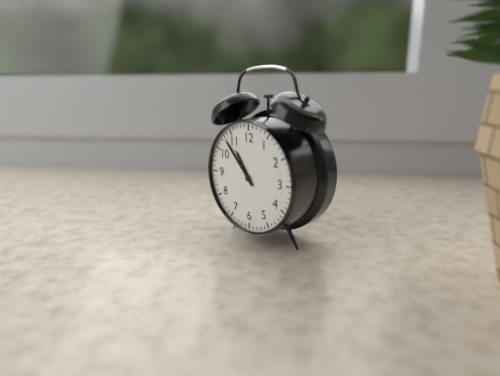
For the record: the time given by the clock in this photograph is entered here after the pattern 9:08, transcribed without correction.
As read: 10:53
